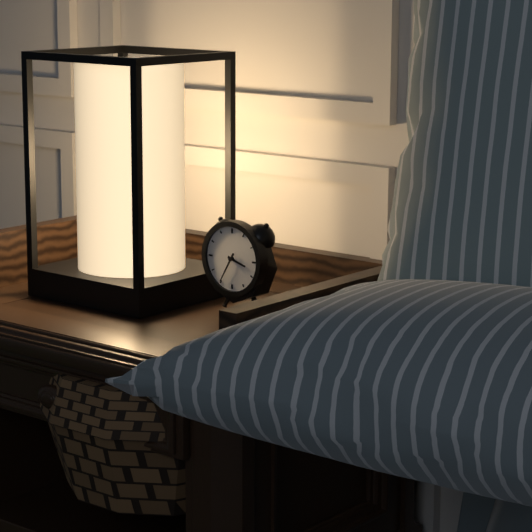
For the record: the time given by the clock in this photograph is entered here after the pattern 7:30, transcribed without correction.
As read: 3:35
